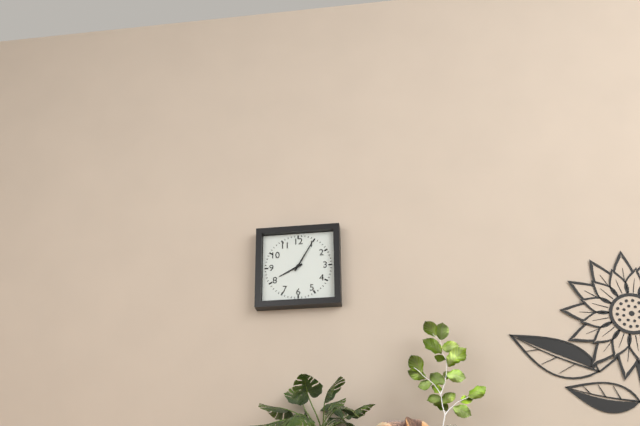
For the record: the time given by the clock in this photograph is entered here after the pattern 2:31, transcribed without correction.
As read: 8:05
